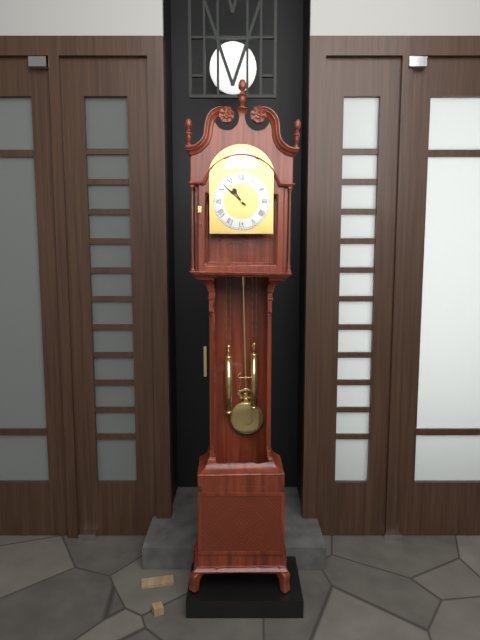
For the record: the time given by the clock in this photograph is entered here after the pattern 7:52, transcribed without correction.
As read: 10:52
